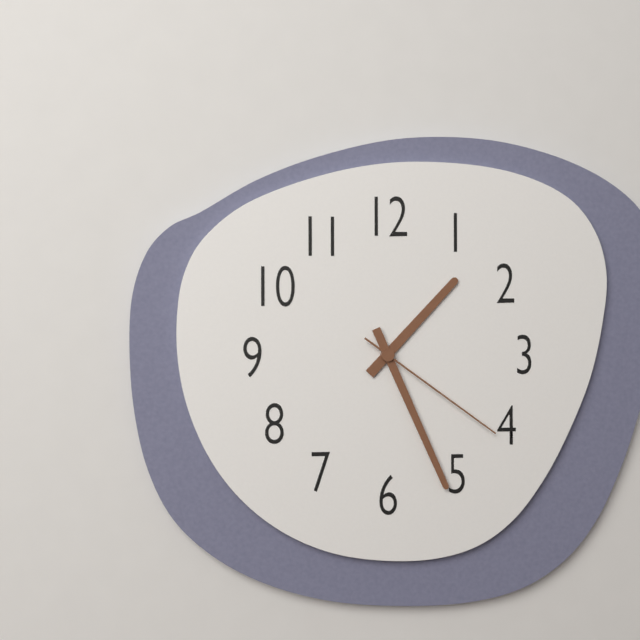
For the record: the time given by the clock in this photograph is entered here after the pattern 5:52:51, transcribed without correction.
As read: 1:26:21
